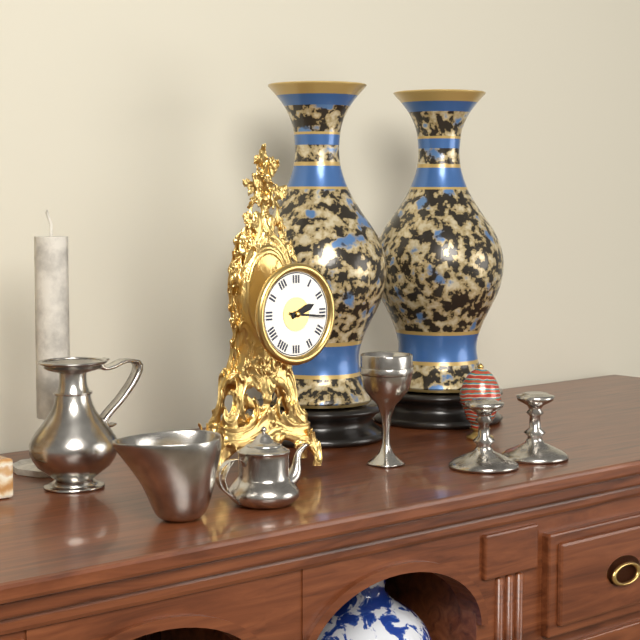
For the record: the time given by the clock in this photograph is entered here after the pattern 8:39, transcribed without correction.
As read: 2:16
